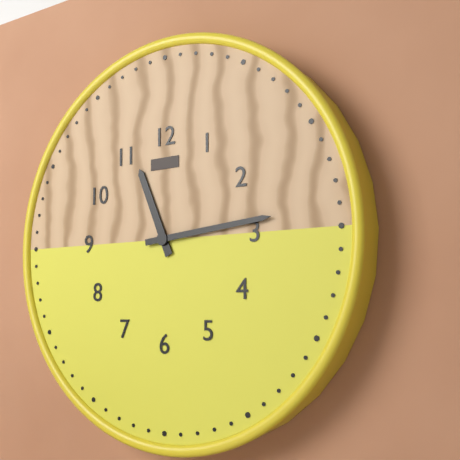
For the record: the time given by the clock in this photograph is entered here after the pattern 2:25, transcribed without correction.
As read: 11:14
